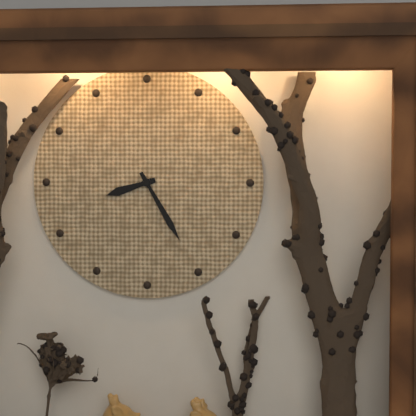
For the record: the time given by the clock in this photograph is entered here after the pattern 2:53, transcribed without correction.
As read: 8:25
